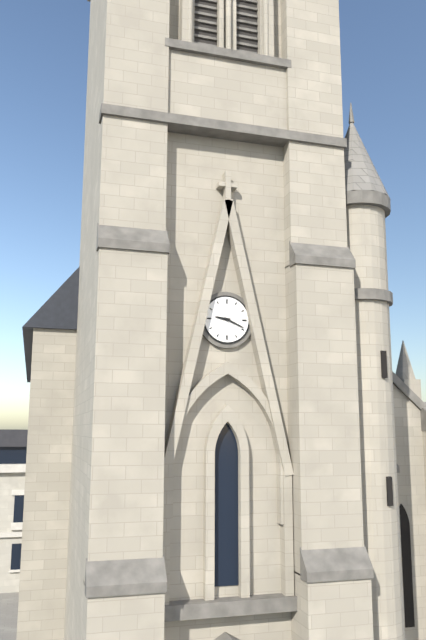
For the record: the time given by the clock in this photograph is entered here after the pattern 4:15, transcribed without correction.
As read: 9:19
